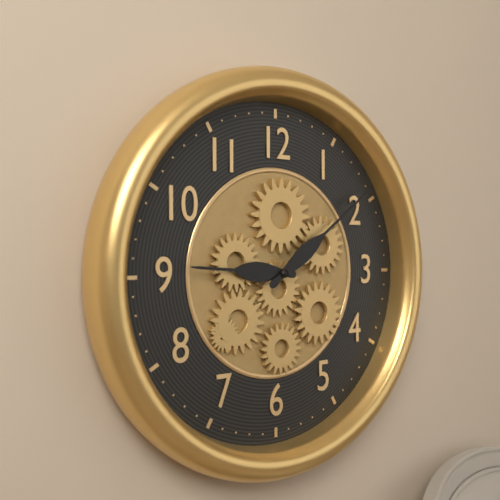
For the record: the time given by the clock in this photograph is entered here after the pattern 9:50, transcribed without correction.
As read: 9:09
